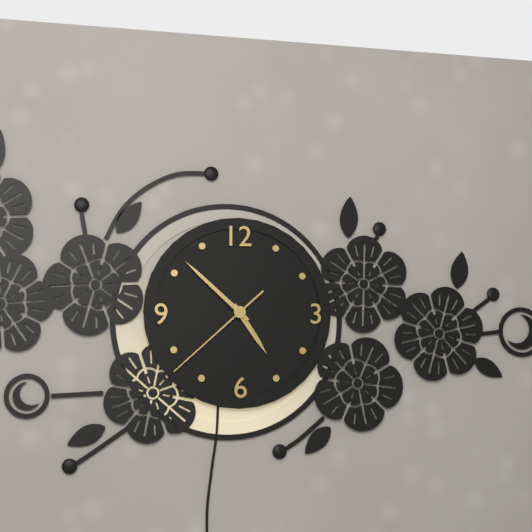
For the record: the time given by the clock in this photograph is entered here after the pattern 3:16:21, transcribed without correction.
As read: 4:52:38
